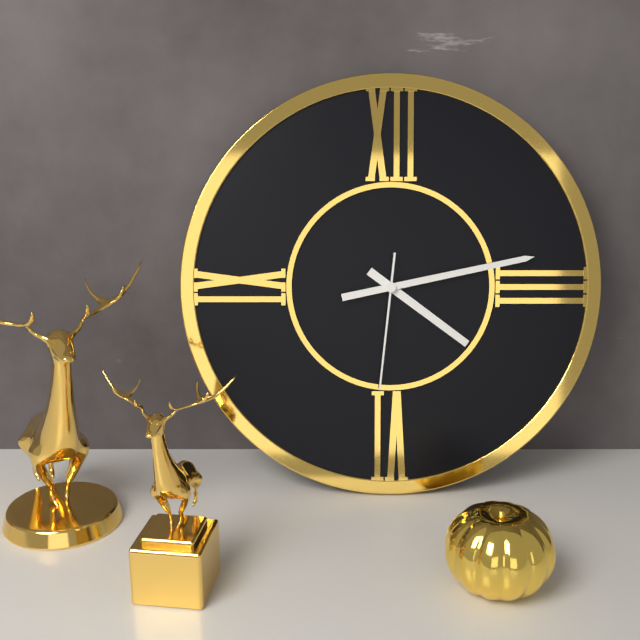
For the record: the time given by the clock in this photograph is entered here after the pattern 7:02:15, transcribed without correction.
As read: 4:13:31
